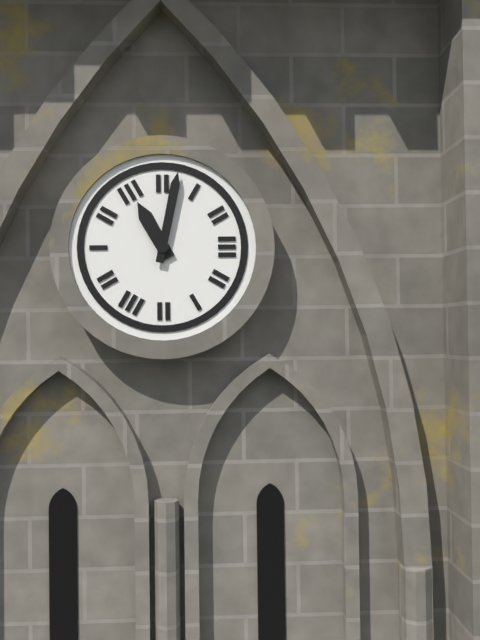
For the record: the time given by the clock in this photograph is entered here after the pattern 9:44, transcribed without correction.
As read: 11:02
